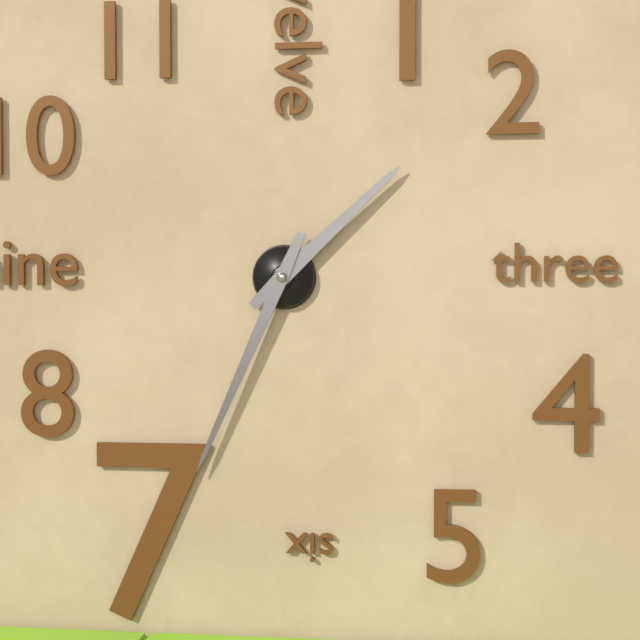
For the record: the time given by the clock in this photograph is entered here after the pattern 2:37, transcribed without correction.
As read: 1:34
